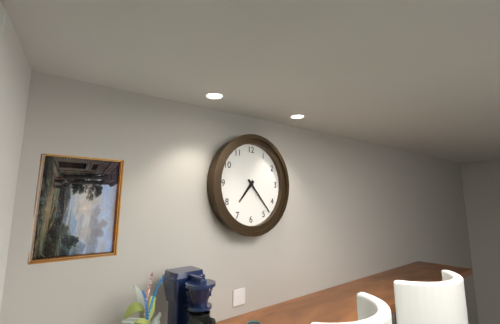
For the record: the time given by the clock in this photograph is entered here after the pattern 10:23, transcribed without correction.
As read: 7:23
